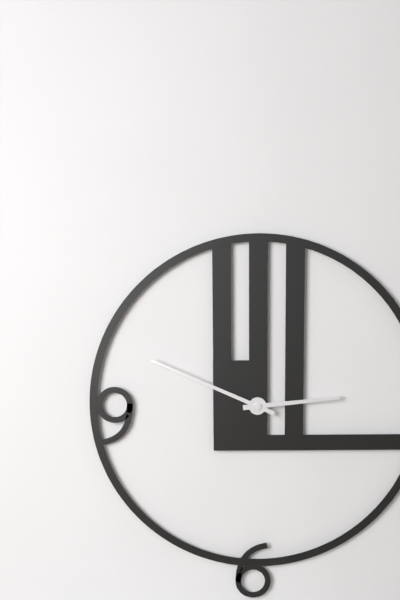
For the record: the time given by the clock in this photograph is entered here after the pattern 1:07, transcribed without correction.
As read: 2:49
